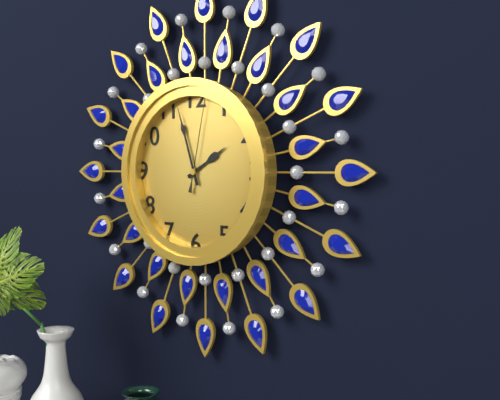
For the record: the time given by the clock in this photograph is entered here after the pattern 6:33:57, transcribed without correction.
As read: 1:57:02
